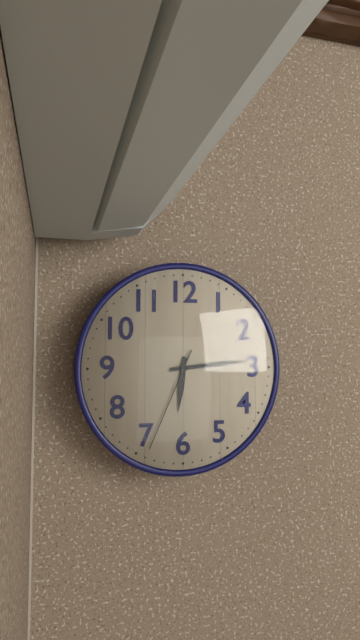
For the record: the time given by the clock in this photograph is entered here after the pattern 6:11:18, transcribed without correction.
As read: 6:14:34
